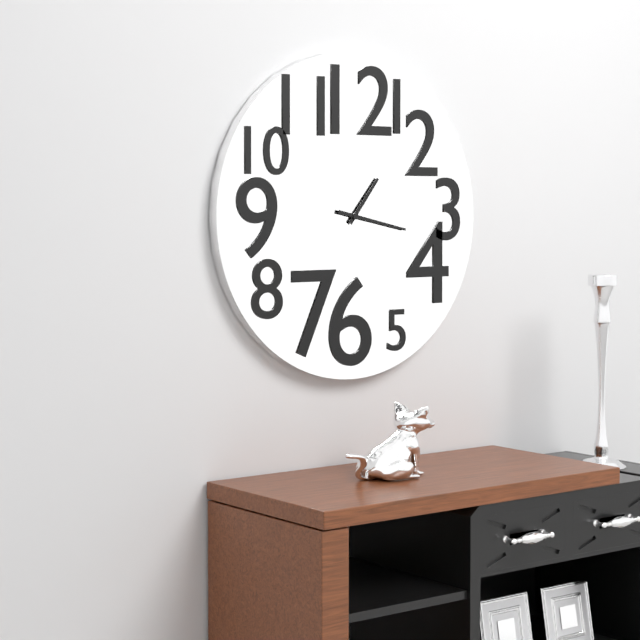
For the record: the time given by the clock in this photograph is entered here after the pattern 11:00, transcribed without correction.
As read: 1:17
